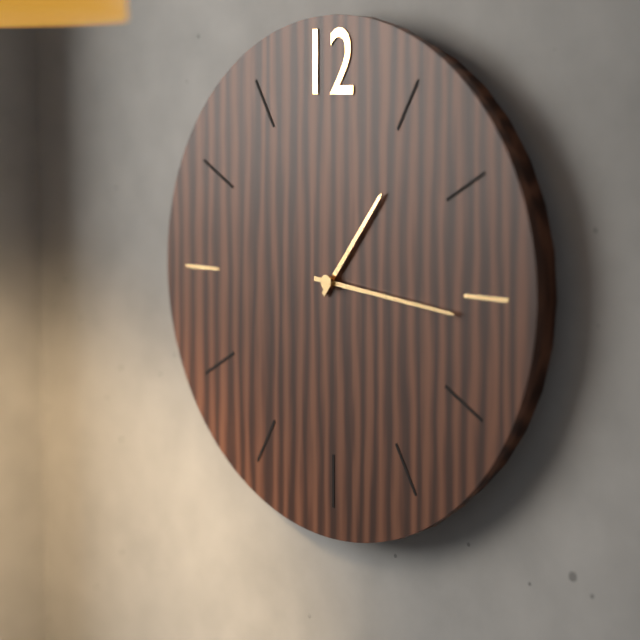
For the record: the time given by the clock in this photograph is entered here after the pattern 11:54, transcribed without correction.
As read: 1:16
